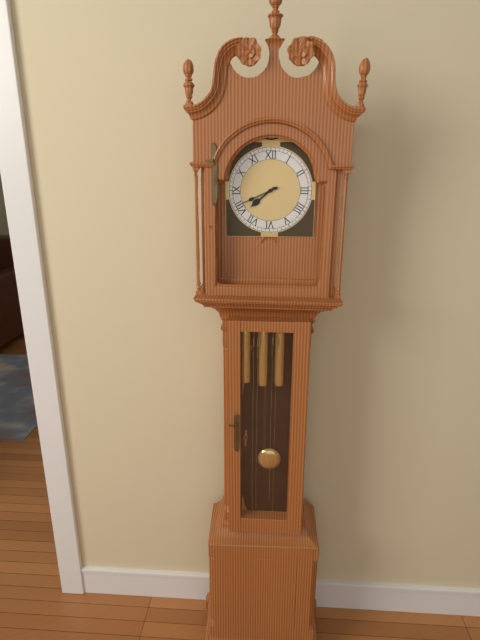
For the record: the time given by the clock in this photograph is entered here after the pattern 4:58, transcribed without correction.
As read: 7:41
